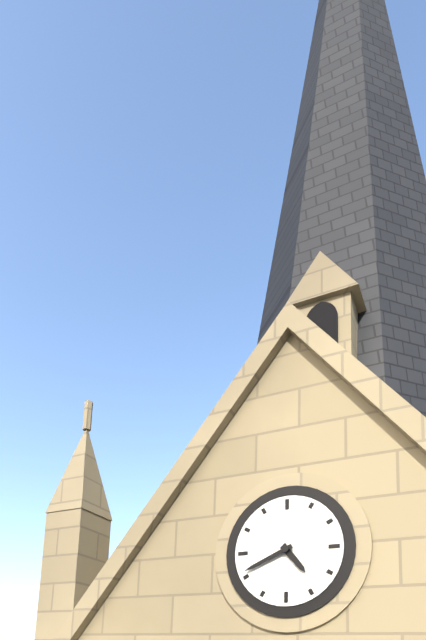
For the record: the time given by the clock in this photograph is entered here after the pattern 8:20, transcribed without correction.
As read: 4:41
